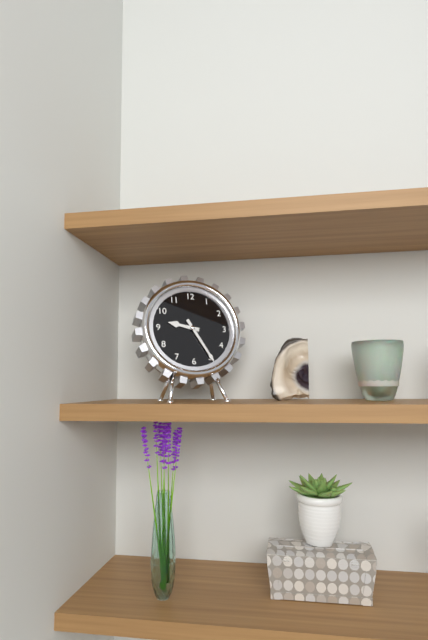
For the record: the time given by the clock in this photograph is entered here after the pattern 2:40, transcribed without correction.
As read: 9:25
